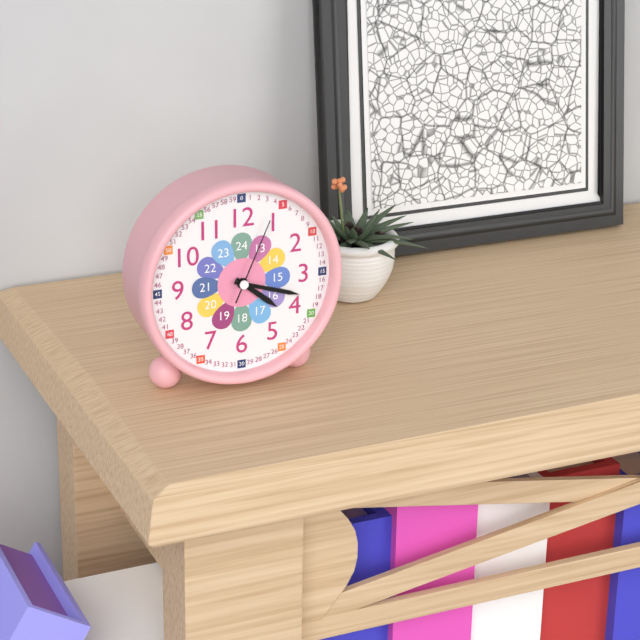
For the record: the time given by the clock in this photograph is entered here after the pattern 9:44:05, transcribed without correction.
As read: 4:18:04
